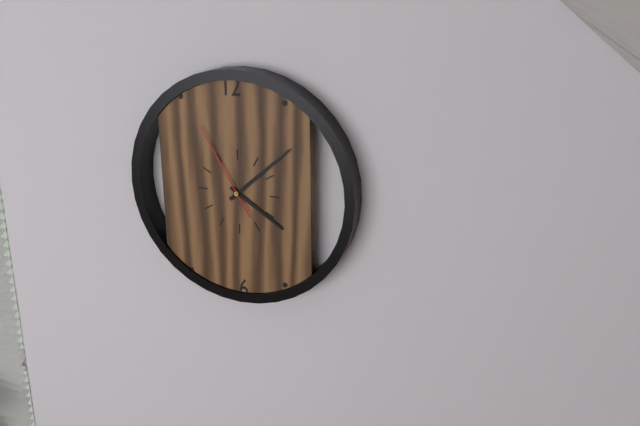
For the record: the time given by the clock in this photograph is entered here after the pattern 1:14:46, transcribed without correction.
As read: 4:08:55
